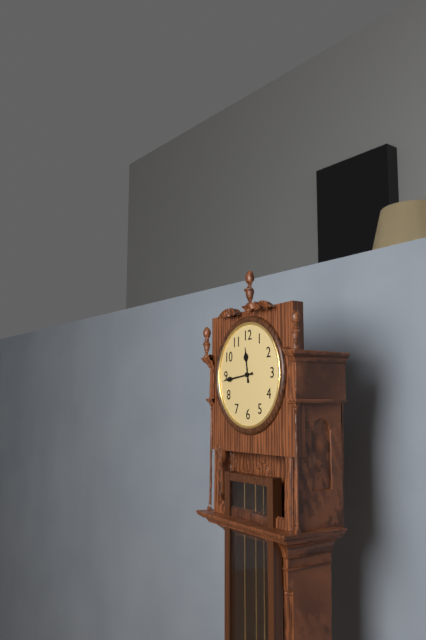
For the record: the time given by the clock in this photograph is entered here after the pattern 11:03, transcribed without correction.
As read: 11:44
